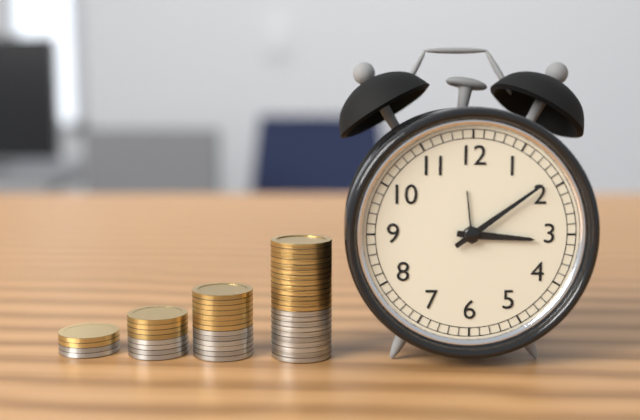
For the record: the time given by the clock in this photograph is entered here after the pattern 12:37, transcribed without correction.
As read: 3:09
